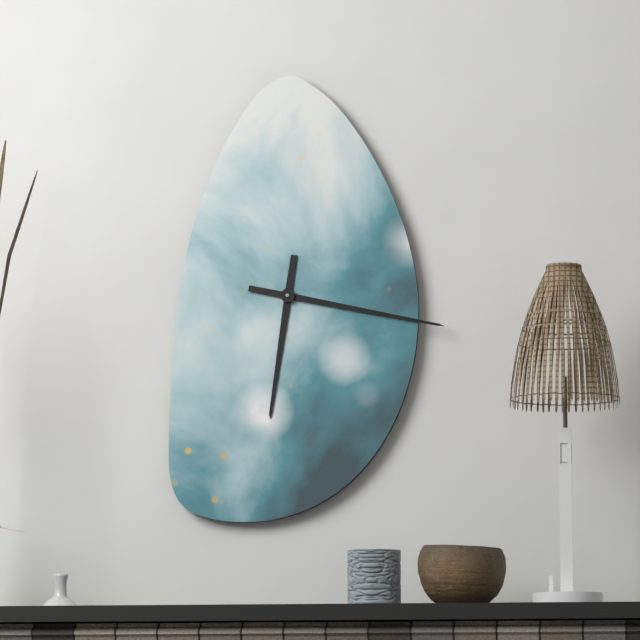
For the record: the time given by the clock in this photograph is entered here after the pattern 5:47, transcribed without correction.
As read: 6:17
